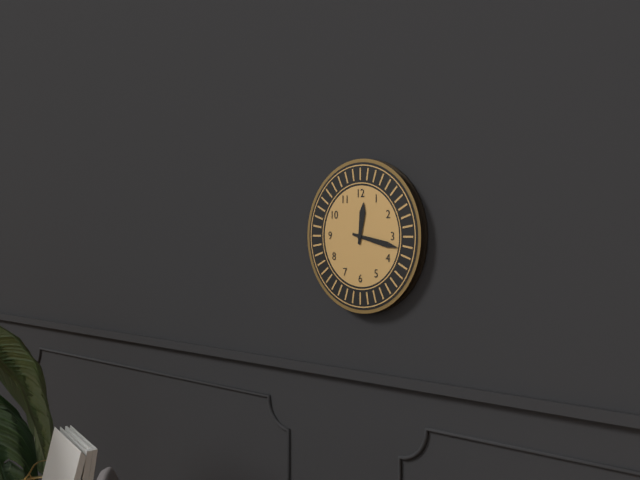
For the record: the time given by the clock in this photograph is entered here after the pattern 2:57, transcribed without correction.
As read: 12:17
